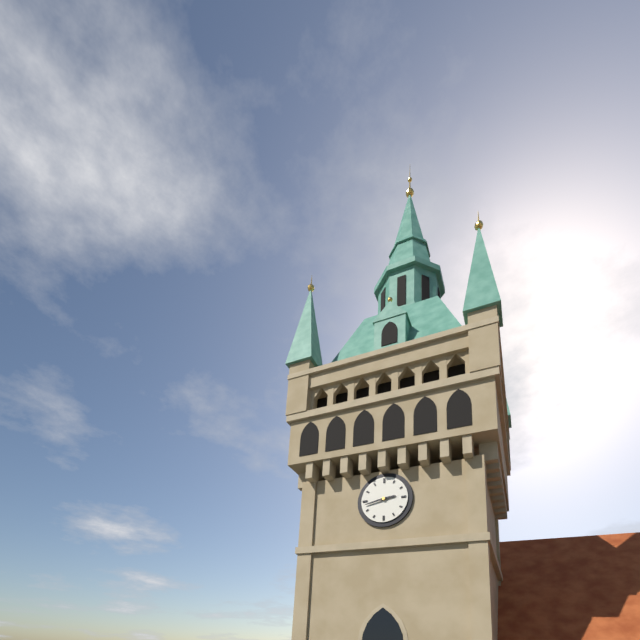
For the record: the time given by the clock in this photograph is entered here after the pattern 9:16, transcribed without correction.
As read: 2:43
